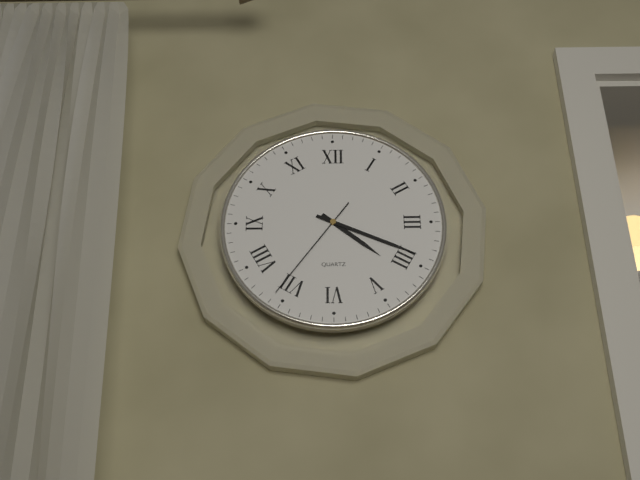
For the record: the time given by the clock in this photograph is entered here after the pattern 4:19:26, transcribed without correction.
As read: 4:19:36
